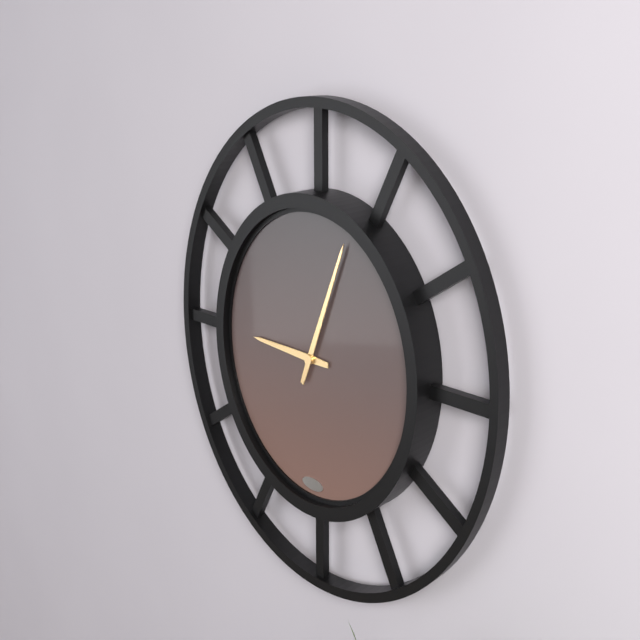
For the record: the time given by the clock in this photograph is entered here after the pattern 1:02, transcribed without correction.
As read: 9:04
